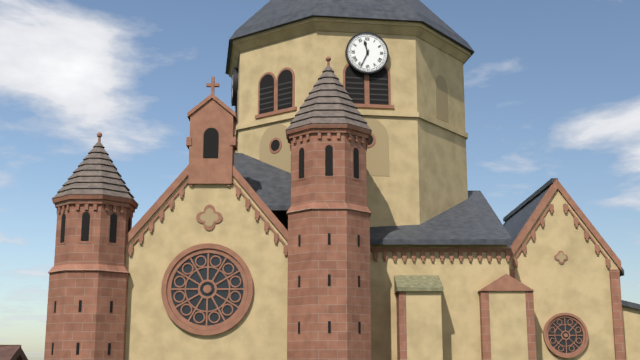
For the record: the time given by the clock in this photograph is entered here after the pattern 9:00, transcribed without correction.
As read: 11:34
